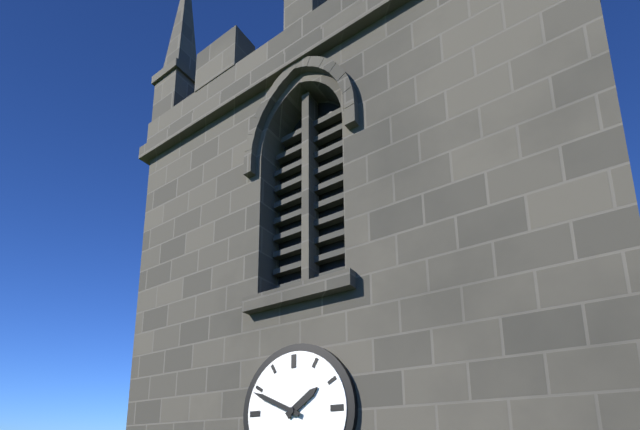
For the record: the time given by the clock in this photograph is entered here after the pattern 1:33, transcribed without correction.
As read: 1:49
